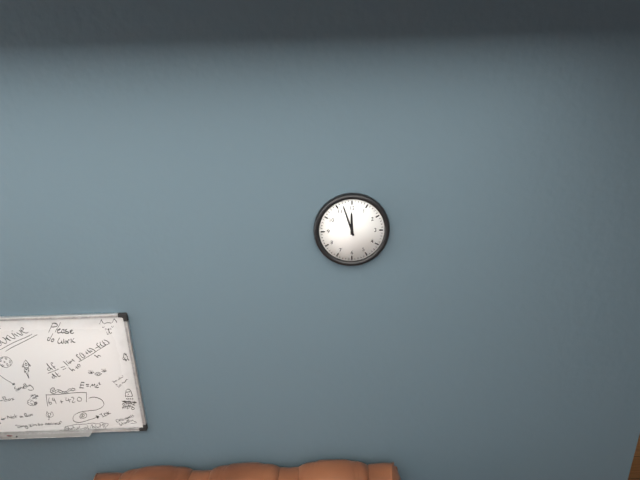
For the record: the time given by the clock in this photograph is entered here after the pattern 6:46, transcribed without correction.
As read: 11:57
